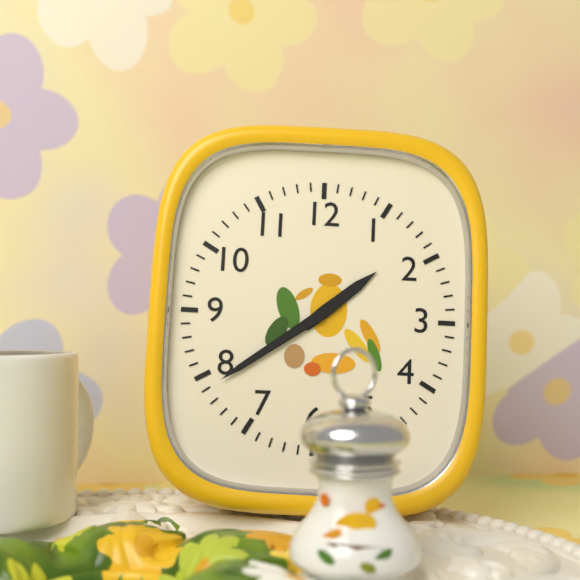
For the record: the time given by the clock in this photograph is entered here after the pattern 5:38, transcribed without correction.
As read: 1:39
